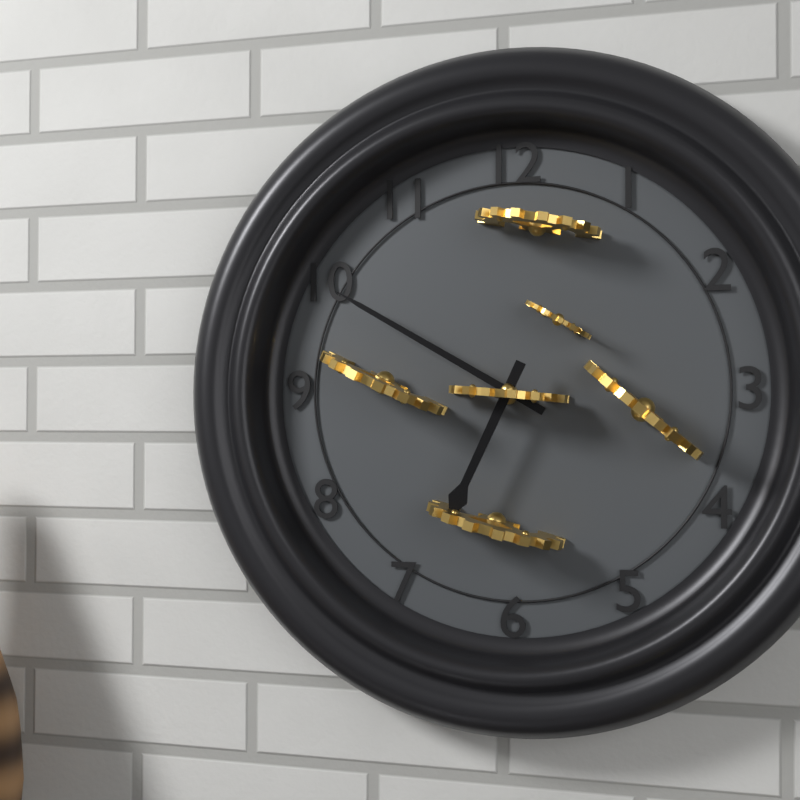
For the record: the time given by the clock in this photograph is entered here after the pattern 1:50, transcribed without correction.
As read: 6:50
